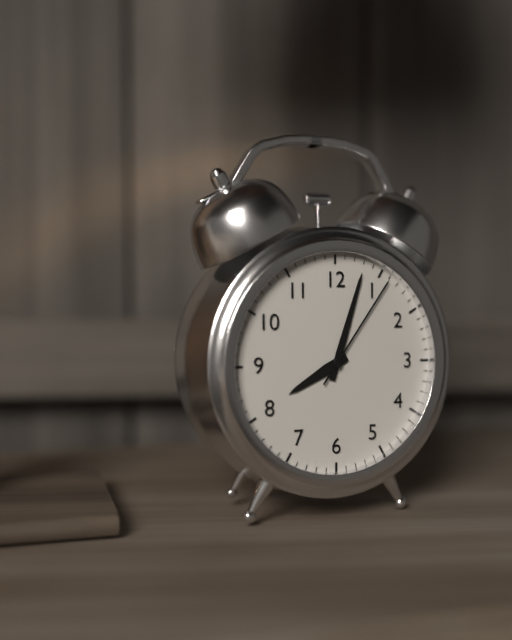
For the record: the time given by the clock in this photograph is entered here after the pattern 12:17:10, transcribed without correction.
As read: 8:03:06
